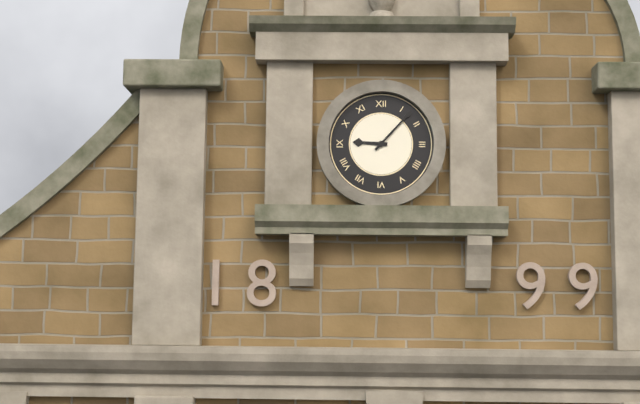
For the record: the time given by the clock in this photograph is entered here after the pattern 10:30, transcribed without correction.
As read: 9:07
